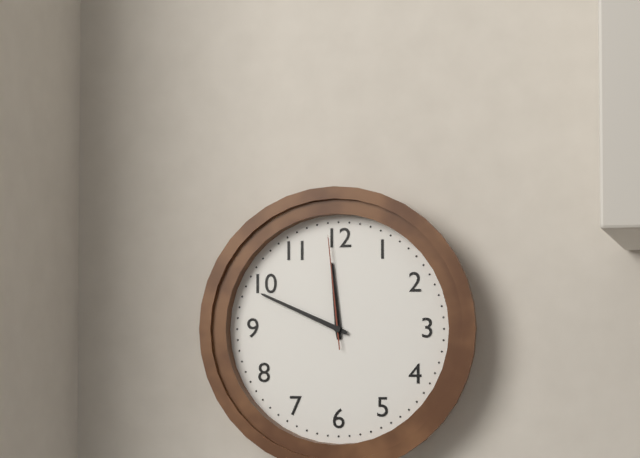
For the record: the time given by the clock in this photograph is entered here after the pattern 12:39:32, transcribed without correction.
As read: 11:49:59
